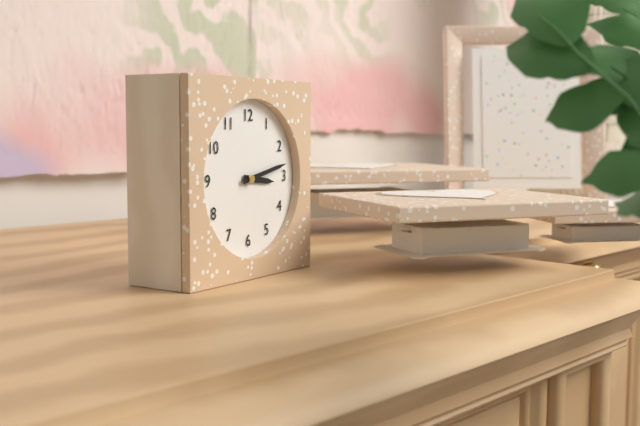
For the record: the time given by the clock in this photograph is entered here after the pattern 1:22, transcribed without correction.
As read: 3:13
